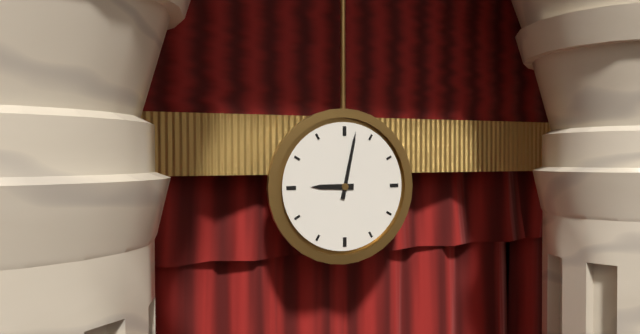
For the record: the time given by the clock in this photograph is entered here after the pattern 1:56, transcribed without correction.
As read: 9:02
